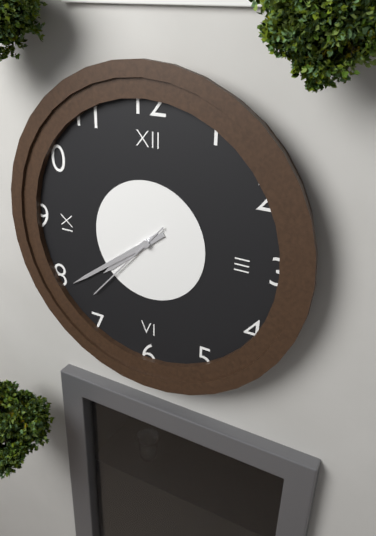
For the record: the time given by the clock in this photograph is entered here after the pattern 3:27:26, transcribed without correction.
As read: 7:39:37
